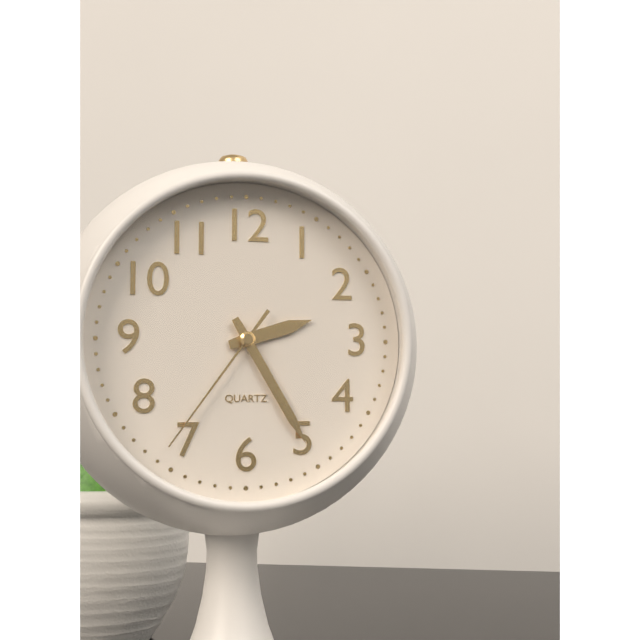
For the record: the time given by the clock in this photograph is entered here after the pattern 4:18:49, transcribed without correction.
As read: 2:25:36
